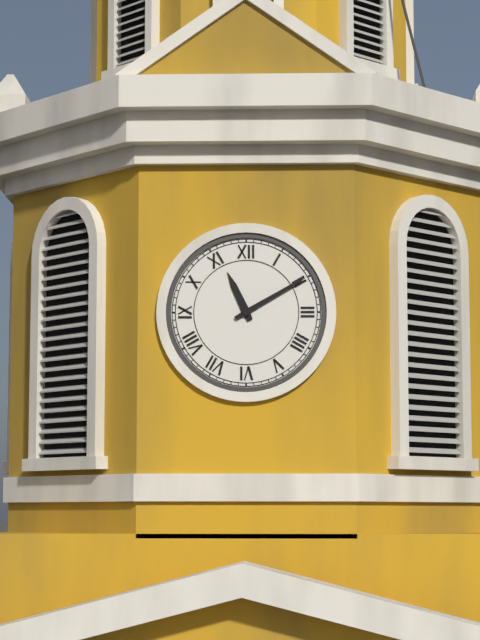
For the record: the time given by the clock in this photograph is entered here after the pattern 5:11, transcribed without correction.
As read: 11:10
